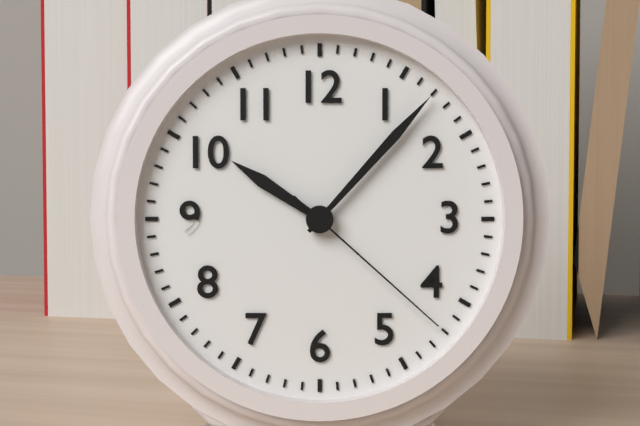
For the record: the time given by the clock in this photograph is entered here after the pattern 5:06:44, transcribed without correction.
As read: 10:07:22
